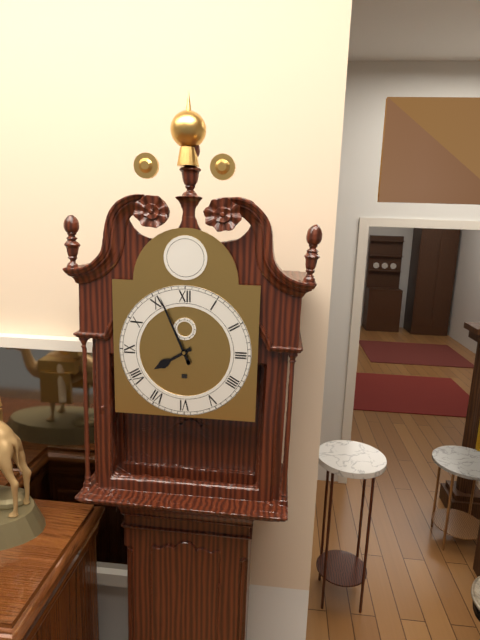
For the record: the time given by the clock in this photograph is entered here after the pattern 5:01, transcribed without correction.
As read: 7:56
